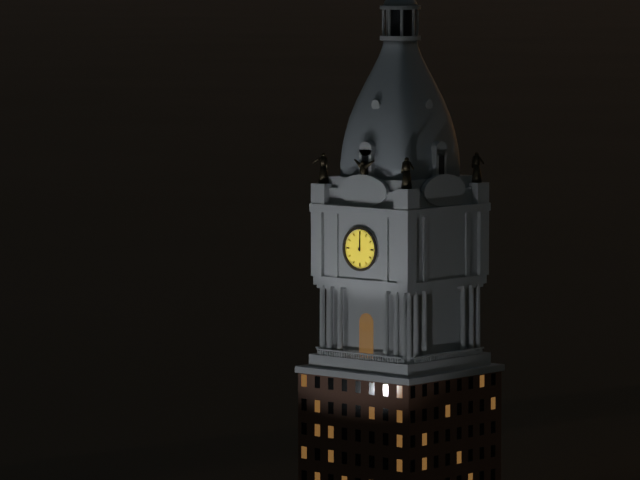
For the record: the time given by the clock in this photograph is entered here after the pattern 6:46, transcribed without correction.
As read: 12:00
